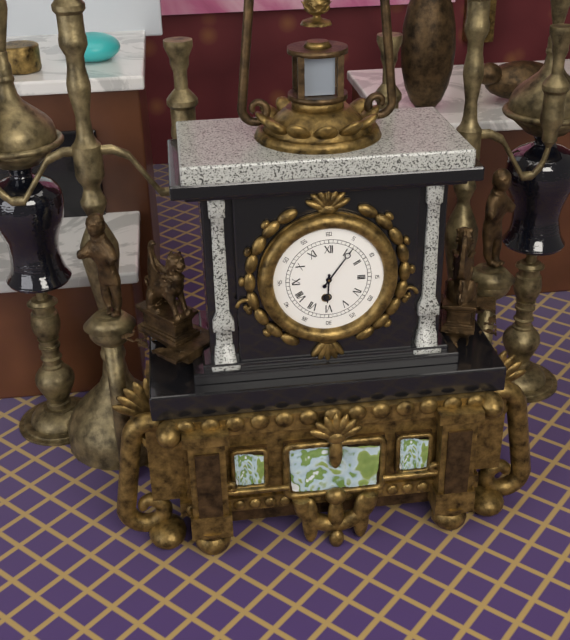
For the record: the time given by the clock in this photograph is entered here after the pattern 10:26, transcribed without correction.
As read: 6:06
